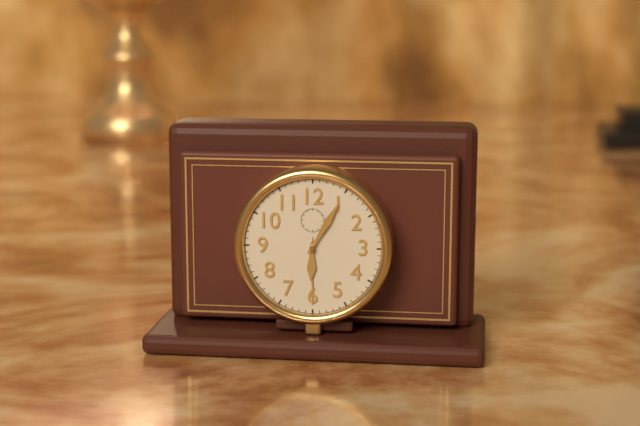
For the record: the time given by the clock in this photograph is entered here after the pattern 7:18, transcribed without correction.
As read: 6:05
